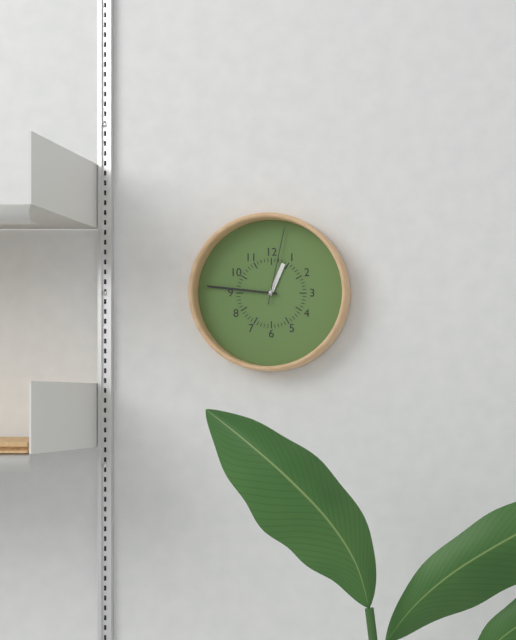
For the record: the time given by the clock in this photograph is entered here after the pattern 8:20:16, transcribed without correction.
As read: 12:46:02
